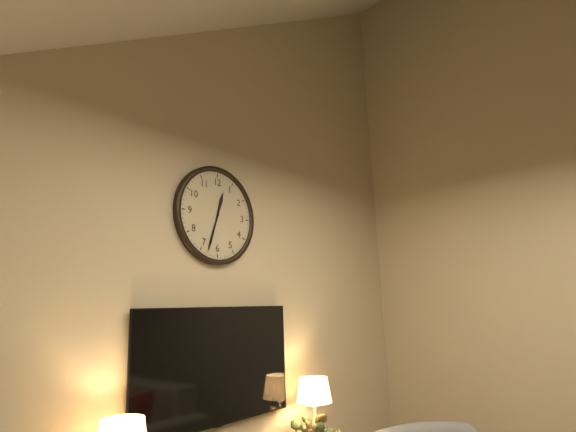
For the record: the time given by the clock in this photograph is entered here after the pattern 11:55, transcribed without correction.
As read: 12:33
